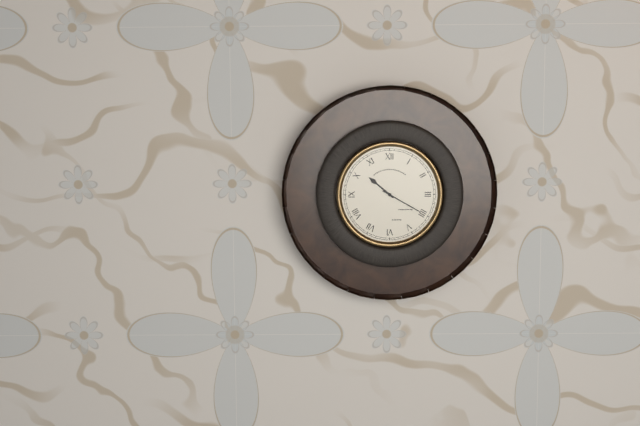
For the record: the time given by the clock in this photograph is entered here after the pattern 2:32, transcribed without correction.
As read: 10:20
